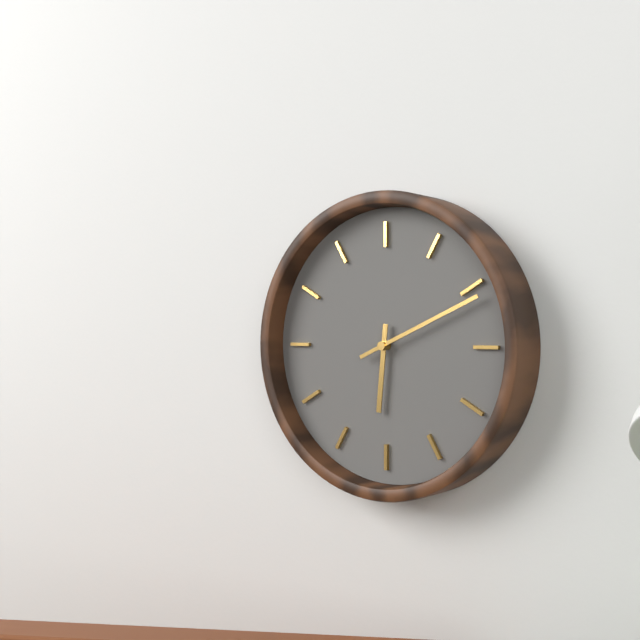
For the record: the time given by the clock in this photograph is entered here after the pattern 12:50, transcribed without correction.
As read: 6:11
